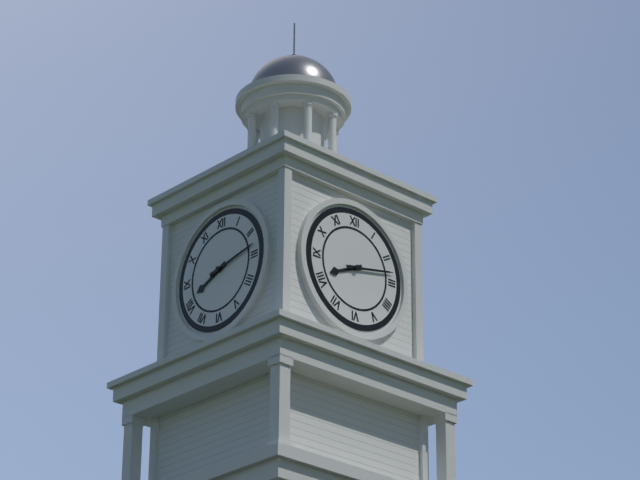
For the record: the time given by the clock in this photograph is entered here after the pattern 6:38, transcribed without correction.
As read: 8:13
